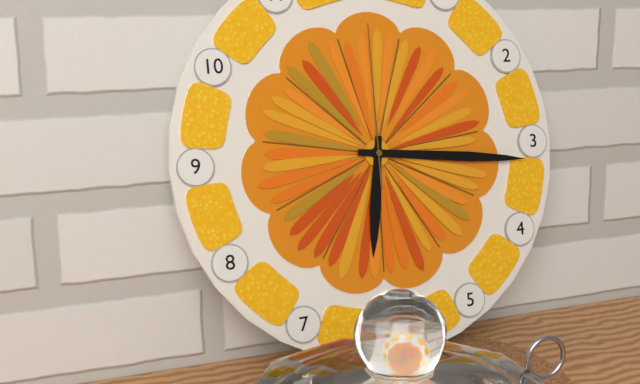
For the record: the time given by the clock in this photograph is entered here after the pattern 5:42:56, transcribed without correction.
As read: 6:16:00
